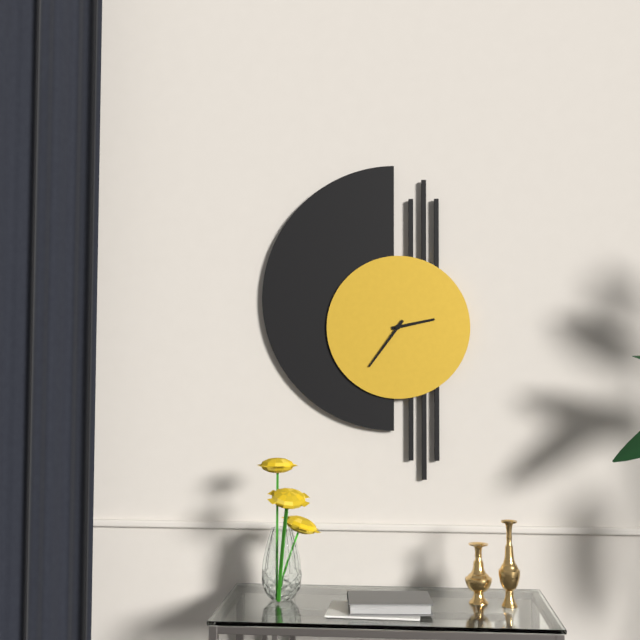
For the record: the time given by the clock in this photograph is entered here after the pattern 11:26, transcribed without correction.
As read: 2:36
